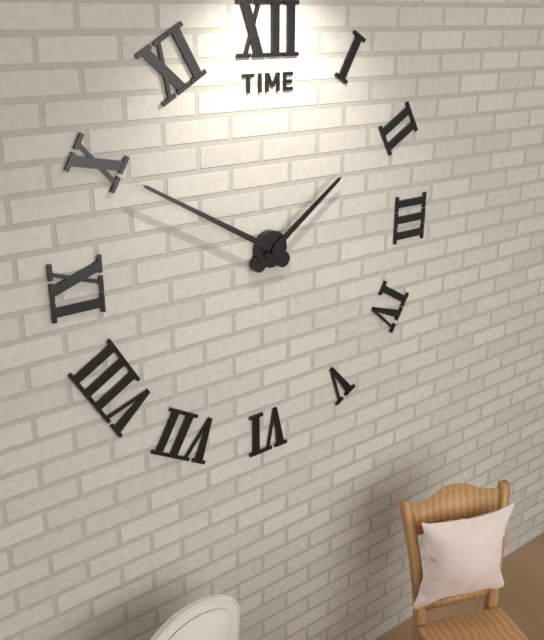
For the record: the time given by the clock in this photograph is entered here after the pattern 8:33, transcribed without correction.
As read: 1:50
